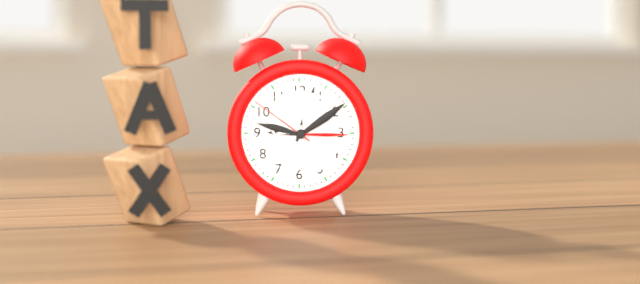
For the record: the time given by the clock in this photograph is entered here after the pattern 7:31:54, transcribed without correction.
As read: 9:03:51
